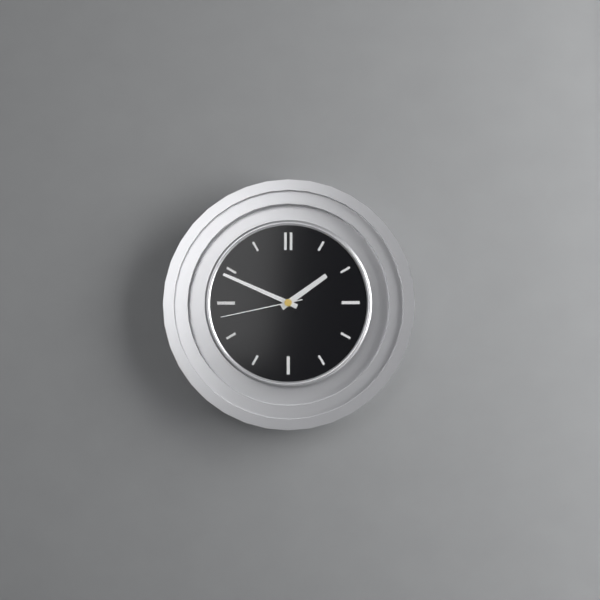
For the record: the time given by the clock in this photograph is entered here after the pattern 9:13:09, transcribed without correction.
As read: 1:49:43
